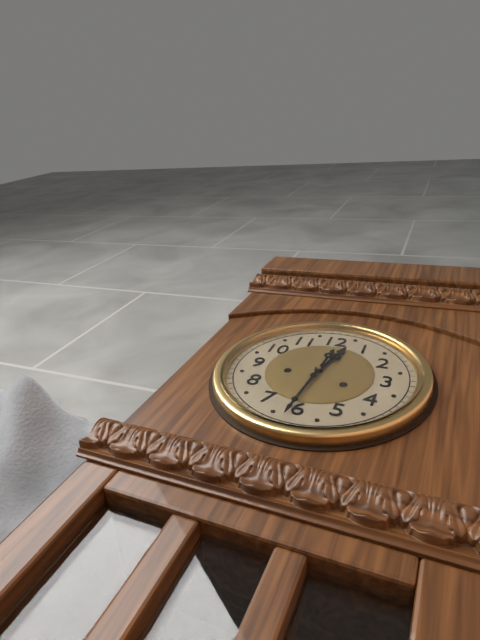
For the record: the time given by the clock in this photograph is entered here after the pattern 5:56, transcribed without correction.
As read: 12:31
